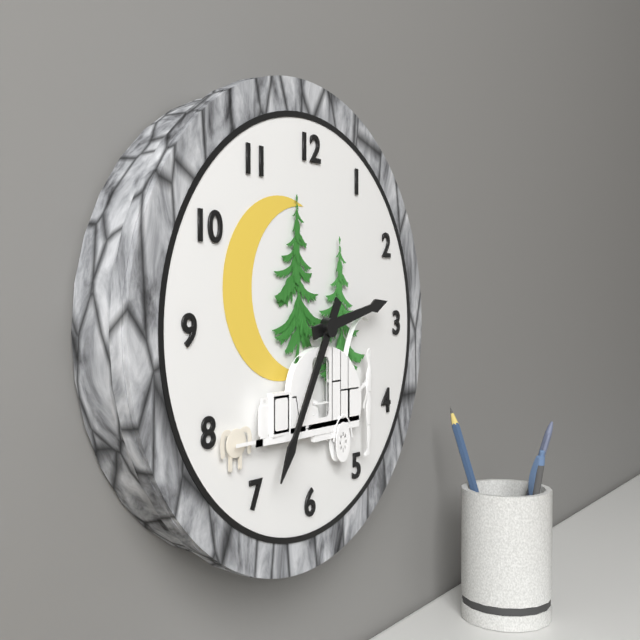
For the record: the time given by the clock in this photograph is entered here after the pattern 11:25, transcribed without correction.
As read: 2:35
